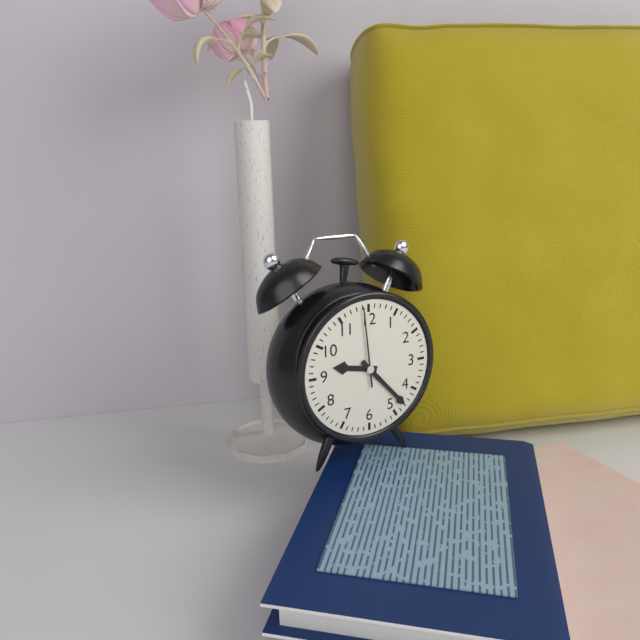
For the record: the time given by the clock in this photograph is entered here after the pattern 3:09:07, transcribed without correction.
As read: 9:23:59
